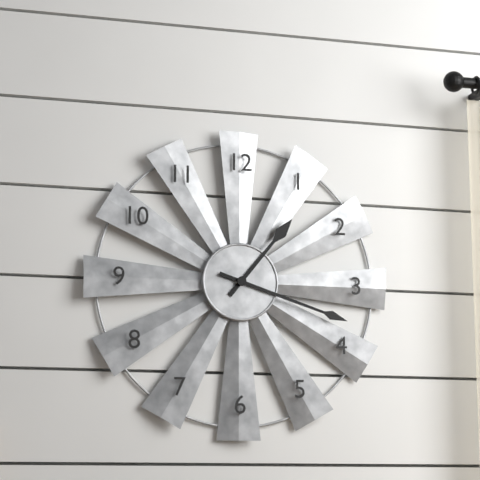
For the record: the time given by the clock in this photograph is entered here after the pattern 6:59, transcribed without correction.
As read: 1:18
